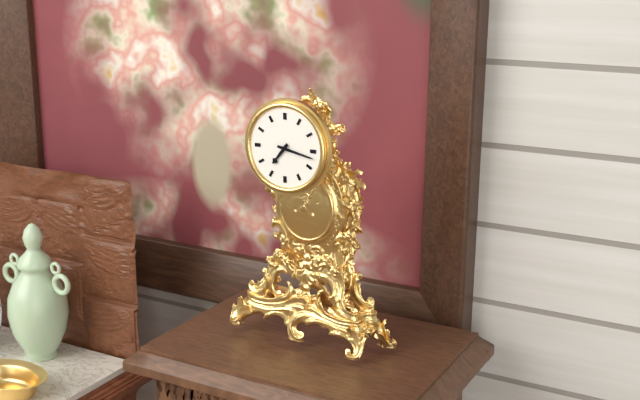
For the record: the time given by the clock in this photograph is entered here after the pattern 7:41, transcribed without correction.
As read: 7:17
